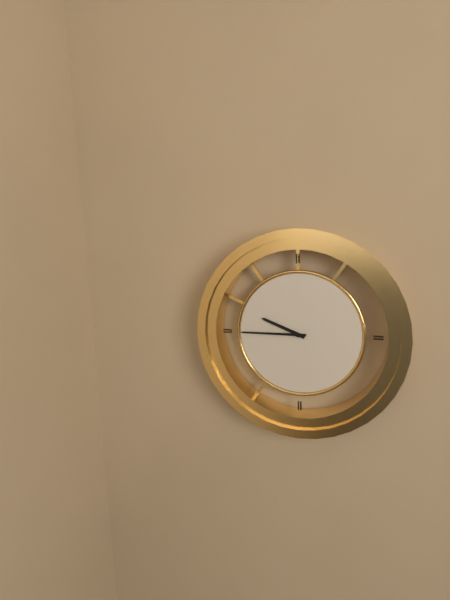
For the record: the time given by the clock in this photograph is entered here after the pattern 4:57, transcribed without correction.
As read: 9:45
